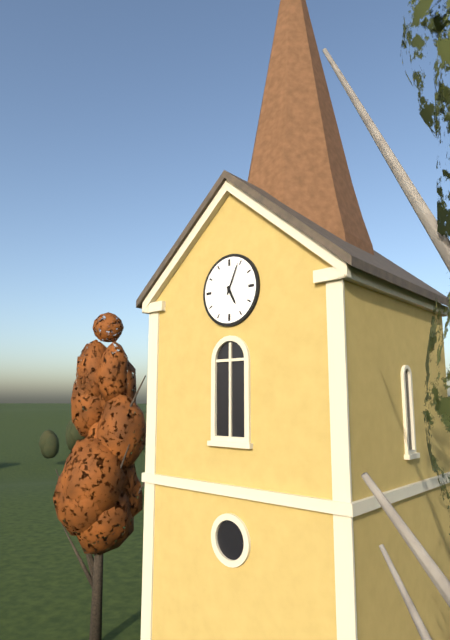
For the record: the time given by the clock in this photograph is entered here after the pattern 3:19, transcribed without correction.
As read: 5:04
